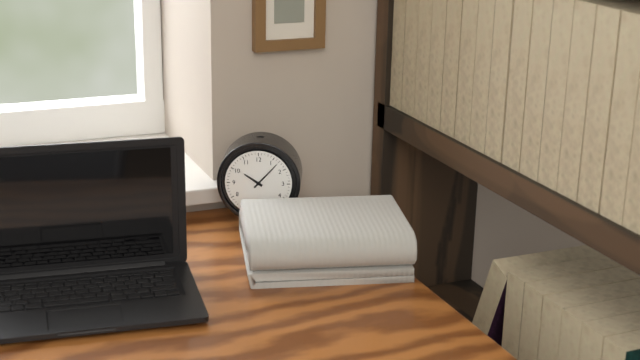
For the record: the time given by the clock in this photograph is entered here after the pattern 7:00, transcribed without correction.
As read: 10:07
